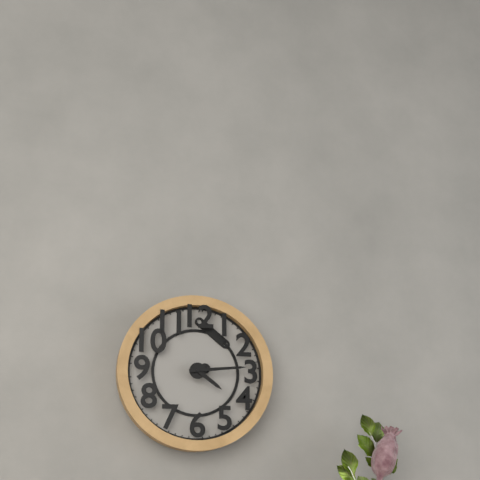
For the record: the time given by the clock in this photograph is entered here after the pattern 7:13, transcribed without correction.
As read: 4:14
